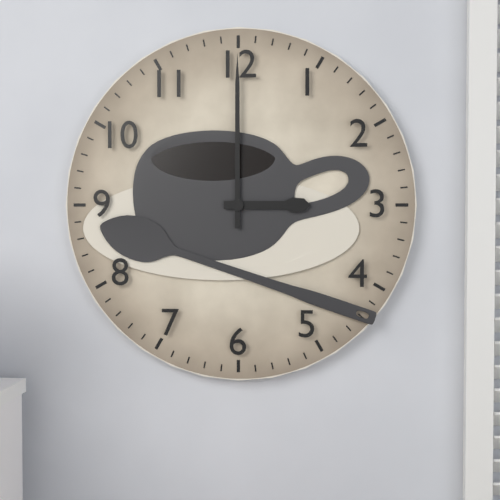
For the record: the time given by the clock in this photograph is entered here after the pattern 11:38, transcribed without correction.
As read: 3:00
